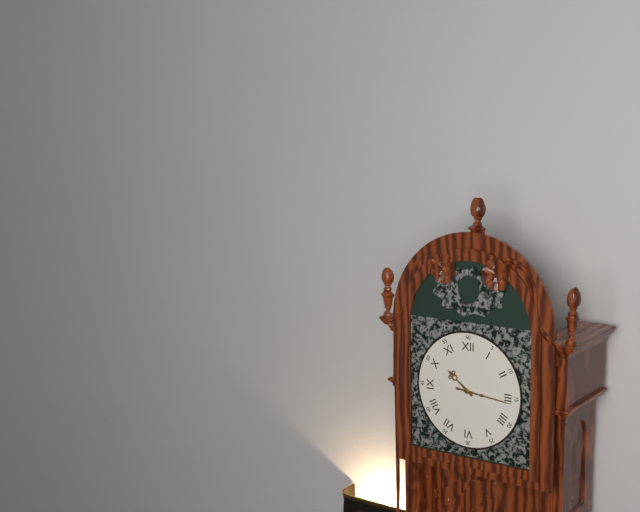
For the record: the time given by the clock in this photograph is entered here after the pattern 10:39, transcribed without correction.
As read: 10:16
